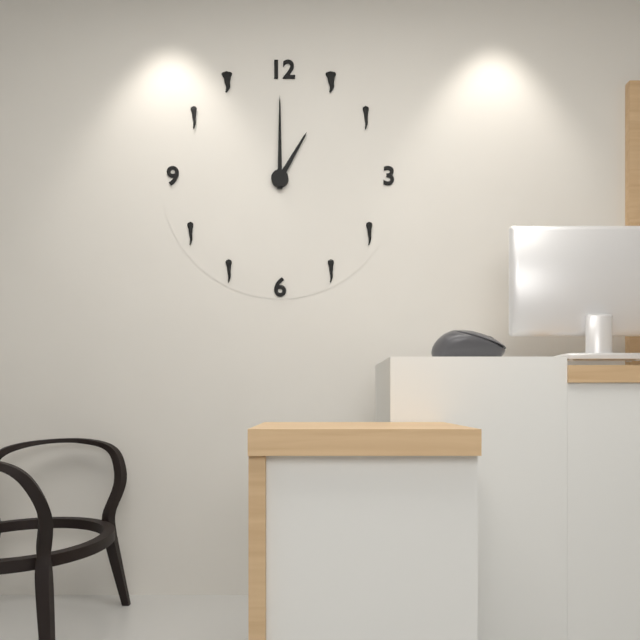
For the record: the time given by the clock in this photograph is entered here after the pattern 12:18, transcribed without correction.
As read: 1:00
